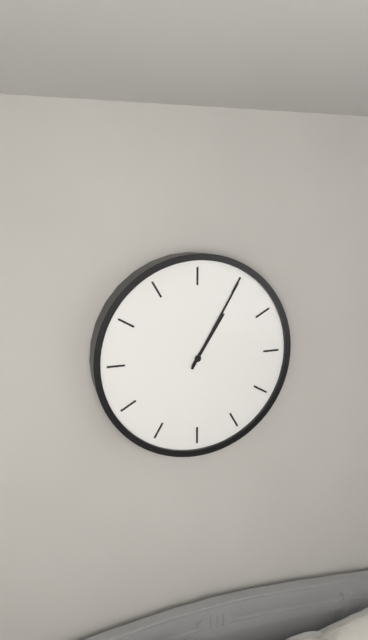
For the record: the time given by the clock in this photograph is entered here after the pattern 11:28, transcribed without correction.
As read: 1:05
